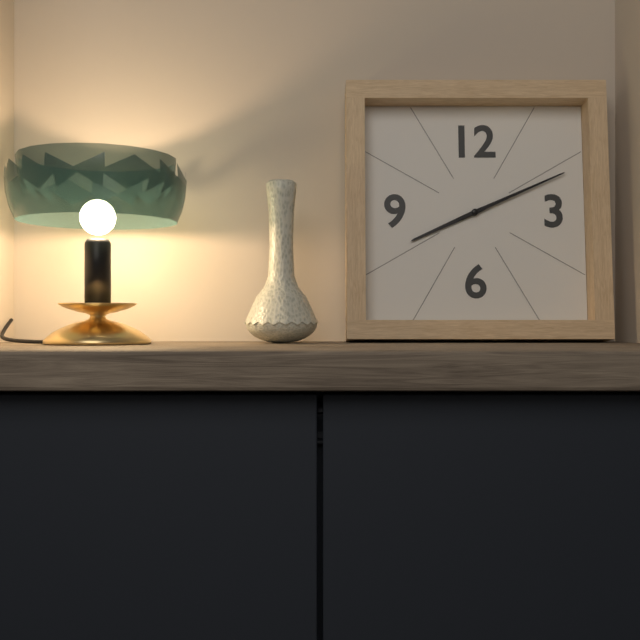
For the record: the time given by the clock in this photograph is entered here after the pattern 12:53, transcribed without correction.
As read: 8:11
